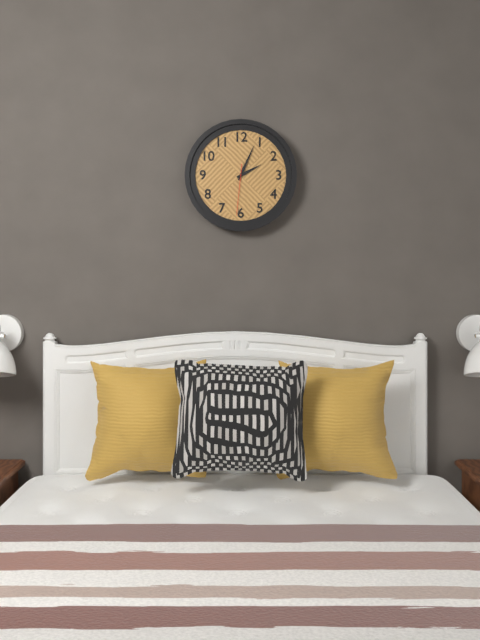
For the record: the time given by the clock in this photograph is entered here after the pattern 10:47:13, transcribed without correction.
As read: 2:04:31
